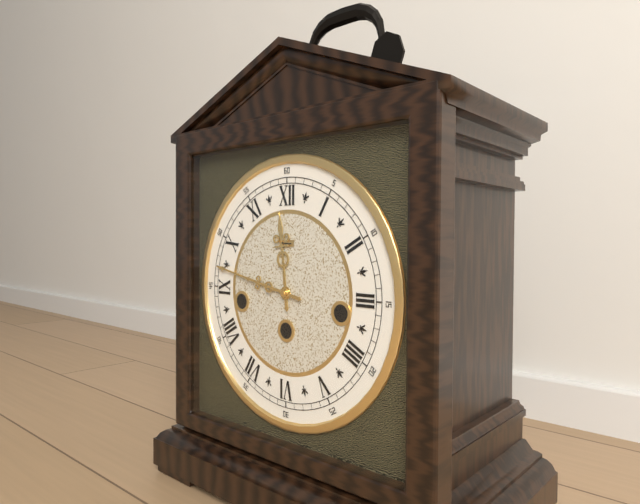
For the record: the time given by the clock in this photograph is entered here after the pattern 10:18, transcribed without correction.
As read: 11:47
